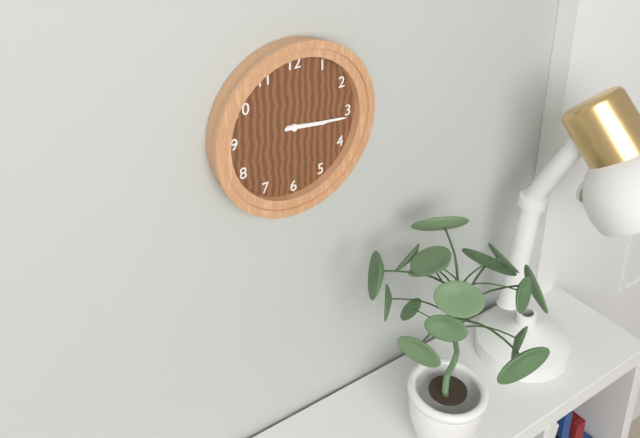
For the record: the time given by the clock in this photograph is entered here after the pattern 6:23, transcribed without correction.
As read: 3:16
